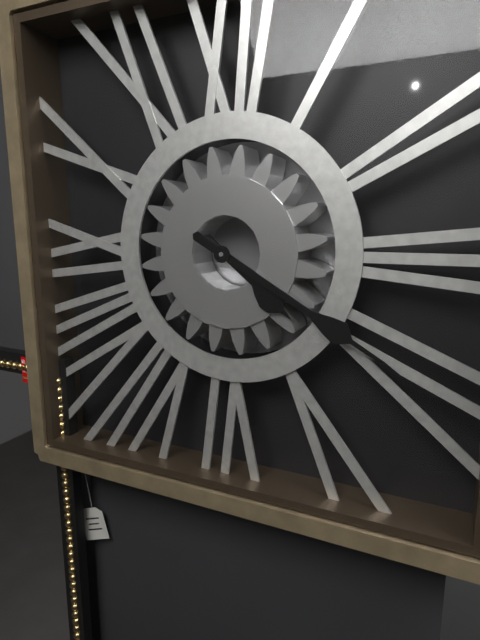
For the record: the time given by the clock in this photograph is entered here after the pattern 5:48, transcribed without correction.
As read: 4:20
